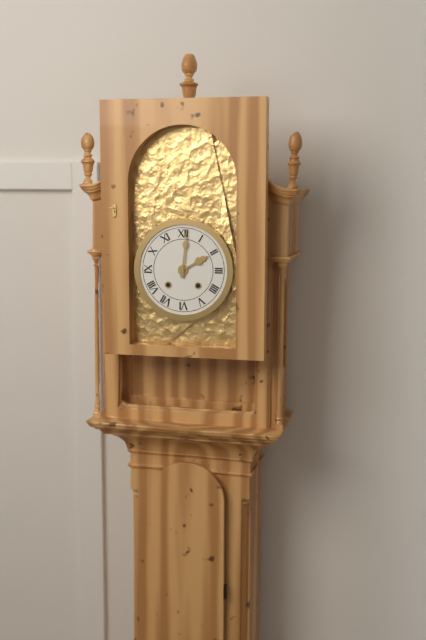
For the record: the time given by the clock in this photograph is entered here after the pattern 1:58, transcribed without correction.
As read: 2:01
